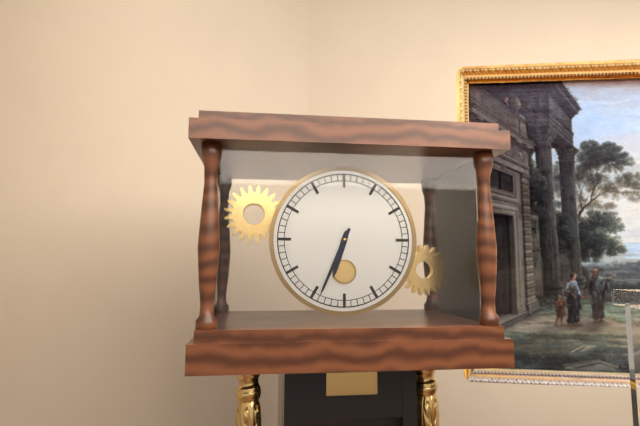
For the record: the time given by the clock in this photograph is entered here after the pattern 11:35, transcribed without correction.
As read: 6:34
